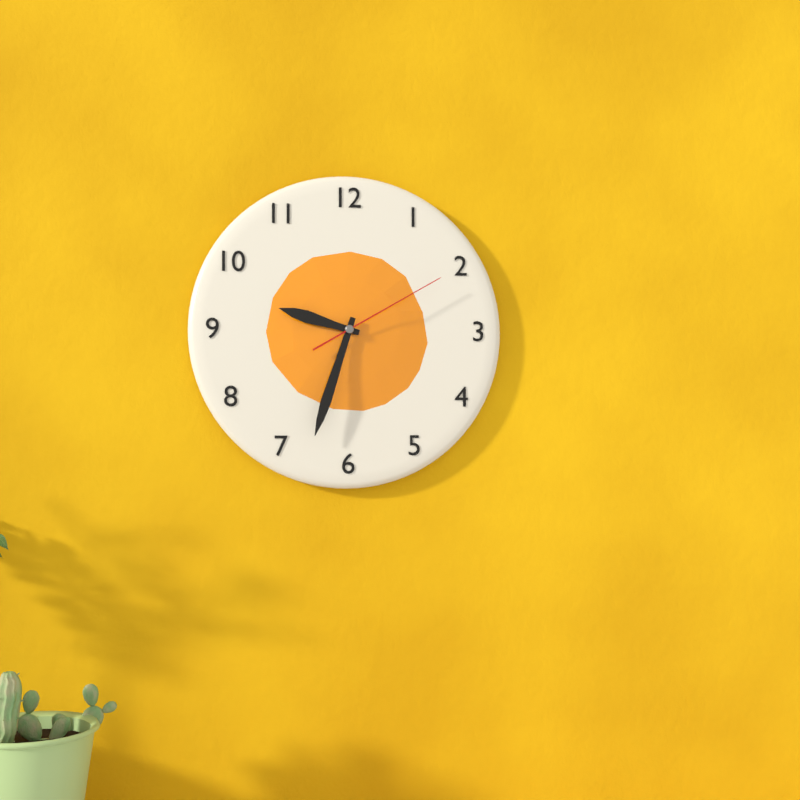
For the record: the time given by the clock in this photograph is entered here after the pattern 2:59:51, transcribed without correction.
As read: 9:33:10
